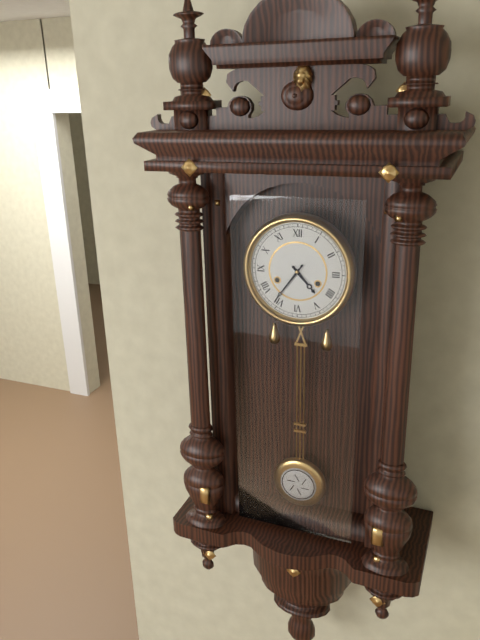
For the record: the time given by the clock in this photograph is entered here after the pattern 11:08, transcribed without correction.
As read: 4:36
